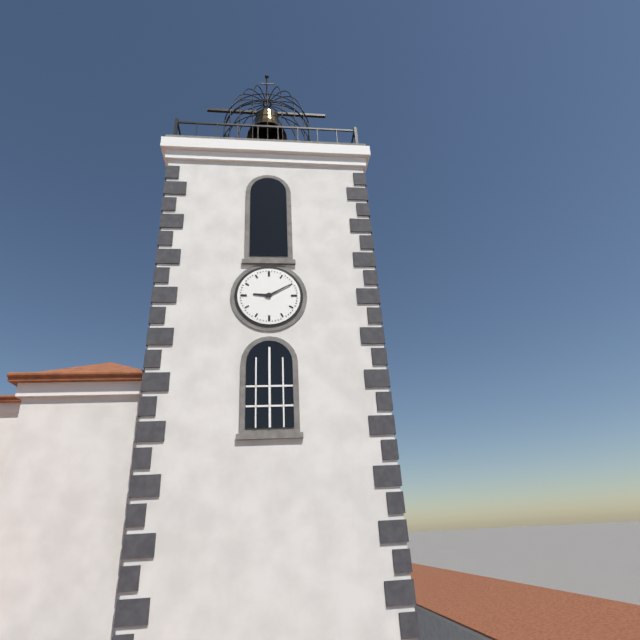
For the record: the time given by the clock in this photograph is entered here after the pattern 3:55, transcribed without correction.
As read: 9:10
